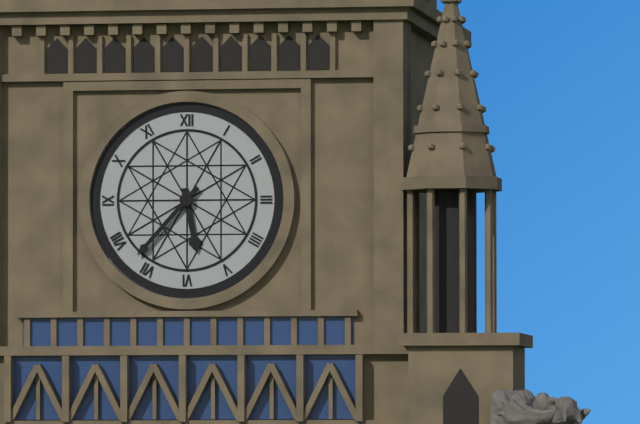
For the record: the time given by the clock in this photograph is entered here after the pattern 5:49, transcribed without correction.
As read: 5:37
